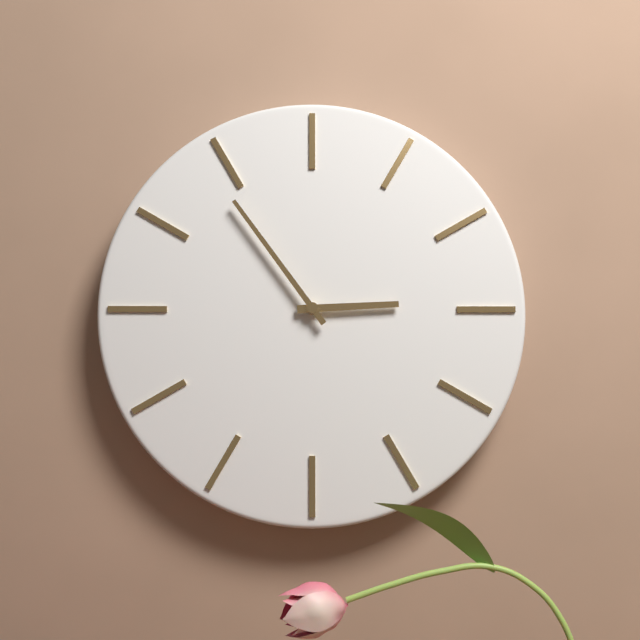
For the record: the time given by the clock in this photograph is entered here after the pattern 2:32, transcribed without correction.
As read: 2:54
